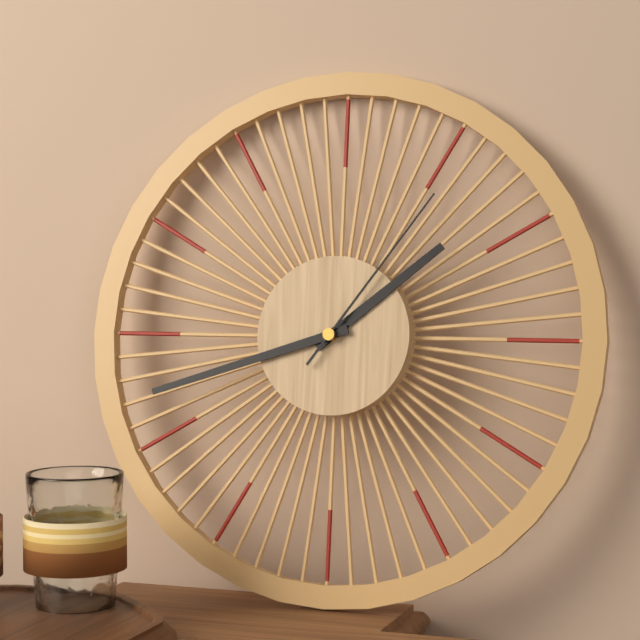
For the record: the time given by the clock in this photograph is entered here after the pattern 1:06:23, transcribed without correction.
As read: 1:42:06
